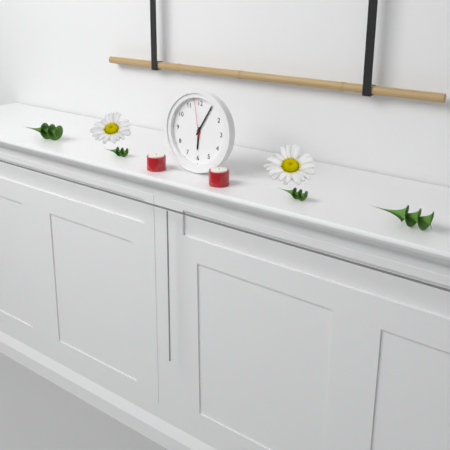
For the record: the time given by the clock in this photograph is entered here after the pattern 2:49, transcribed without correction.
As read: 6:05
